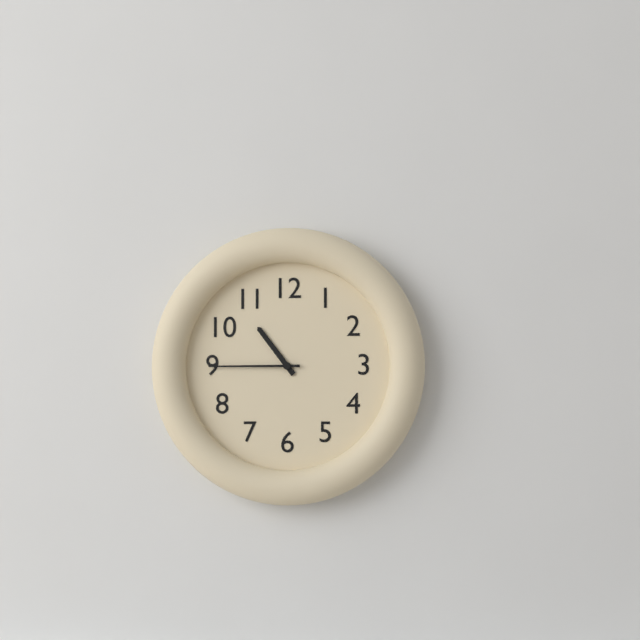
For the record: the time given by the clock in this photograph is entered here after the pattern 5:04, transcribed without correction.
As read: 10:45
